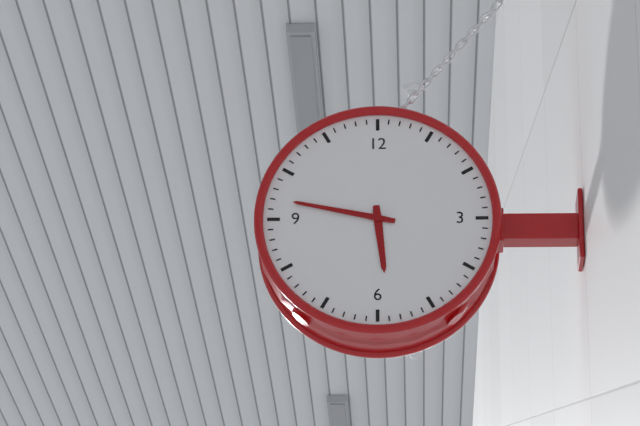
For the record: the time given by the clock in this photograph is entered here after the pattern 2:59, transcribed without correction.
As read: 5:47
